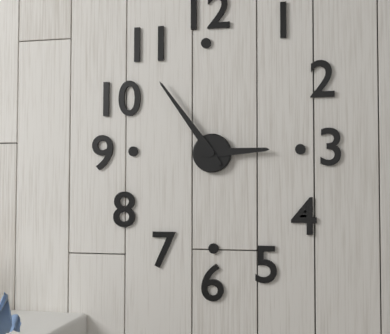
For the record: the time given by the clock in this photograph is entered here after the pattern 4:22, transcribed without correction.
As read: 2:54
